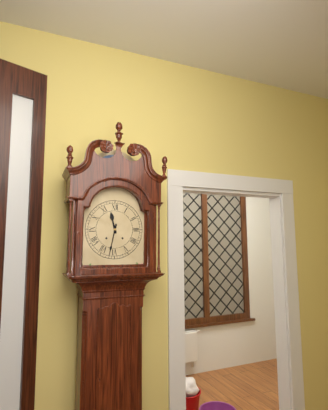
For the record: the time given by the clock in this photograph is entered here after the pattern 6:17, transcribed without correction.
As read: 11:32
